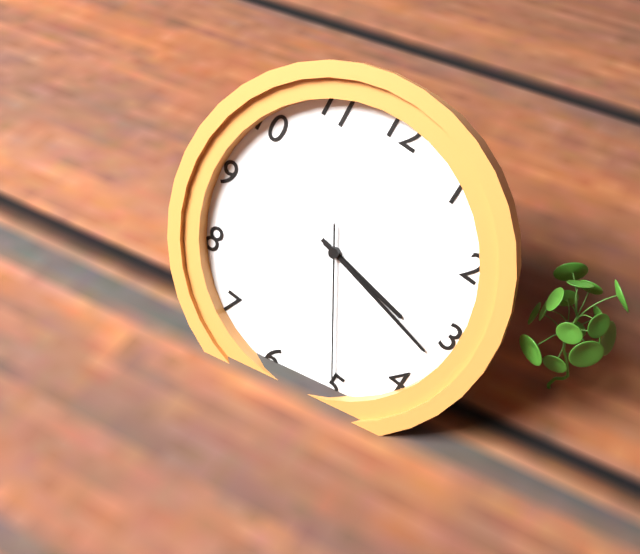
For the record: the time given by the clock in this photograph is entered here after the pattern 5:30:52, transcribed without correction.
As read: 3:17:25
